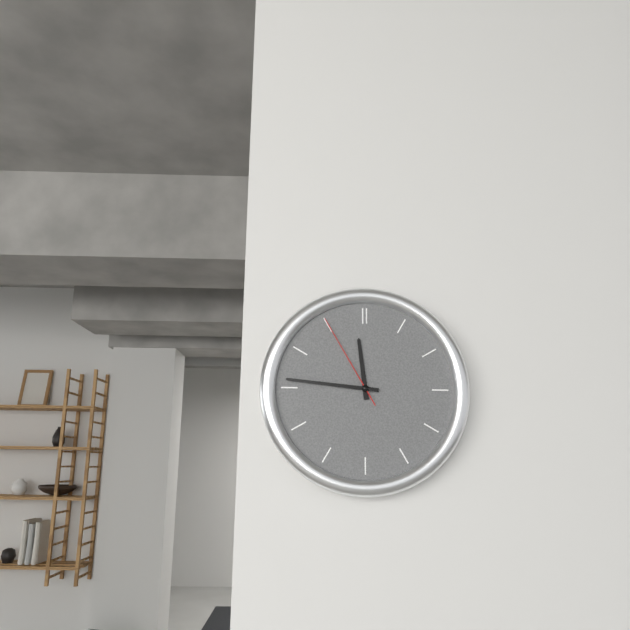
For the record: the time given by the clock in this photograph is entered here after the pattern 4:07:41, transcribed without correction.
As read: 11:46:55
